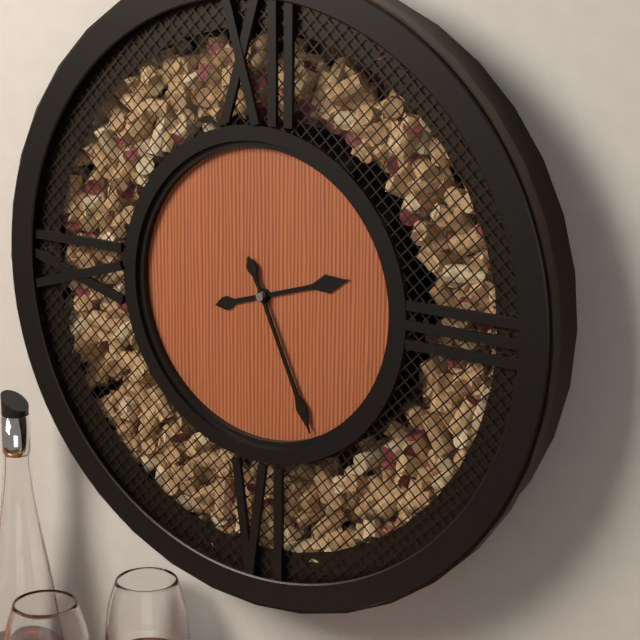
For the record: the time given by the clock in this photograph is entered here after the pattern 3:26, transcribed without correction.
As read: 2:26
